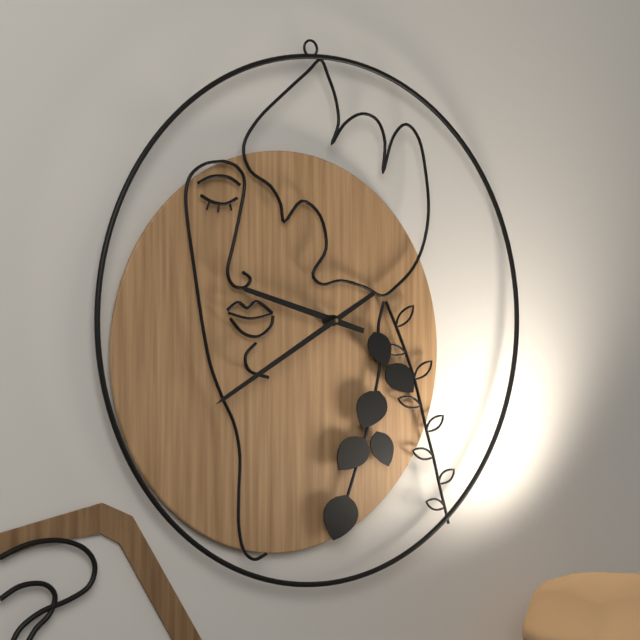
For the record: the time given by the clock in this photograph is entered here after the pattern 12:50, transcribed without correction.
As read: 9:41
